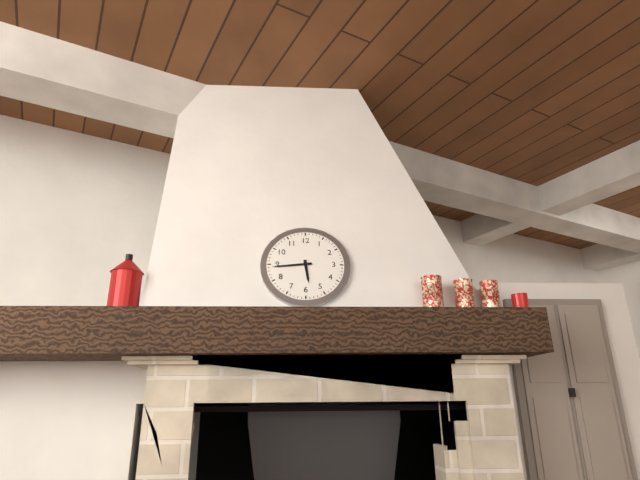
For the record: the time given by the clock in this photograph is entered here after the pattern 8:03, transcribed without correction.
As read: 5:44
